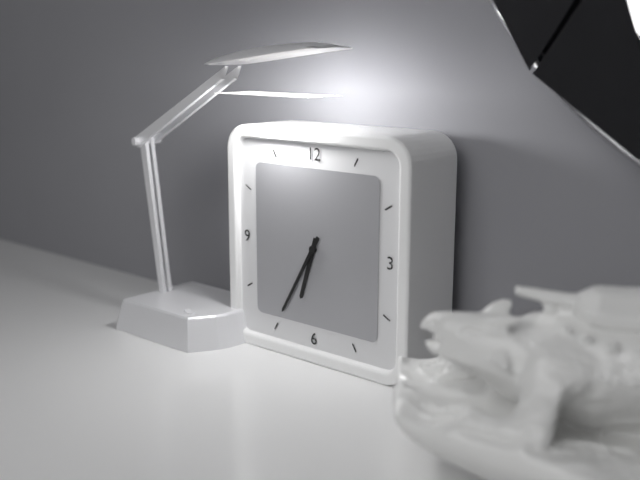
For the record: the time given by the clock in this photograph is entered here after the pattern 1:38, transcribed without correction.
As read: 6:35
